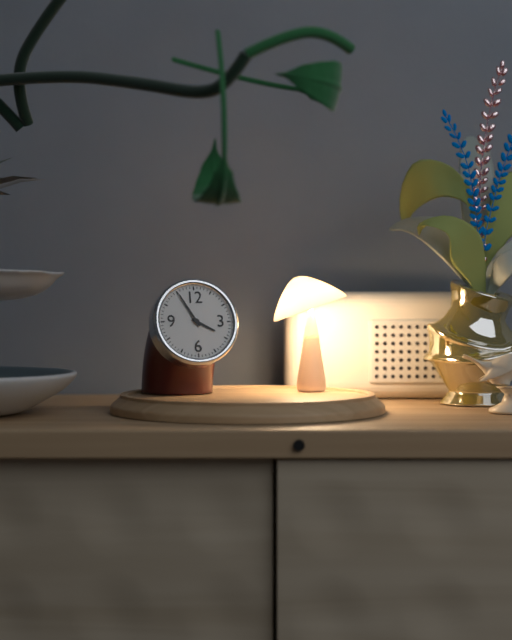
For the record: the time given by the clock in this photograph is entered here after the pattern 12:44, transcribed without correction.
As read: 3:55
